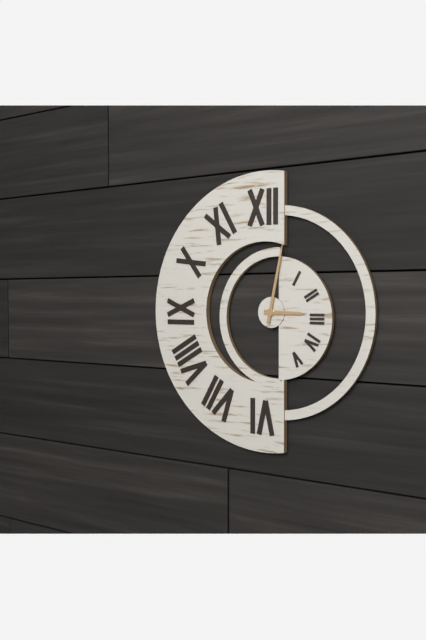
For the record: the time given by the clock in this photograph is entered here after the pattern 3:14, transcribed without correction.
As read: 3:02
